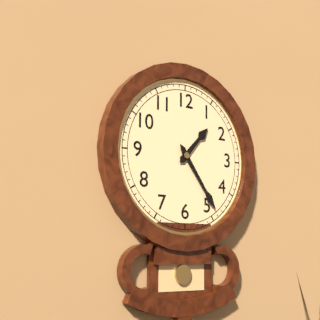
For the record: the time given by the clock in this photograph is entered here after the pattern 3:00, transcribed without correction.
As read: 1:24
